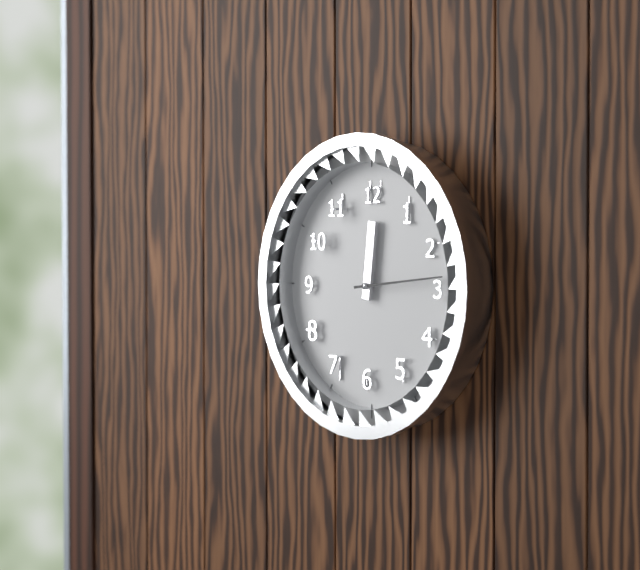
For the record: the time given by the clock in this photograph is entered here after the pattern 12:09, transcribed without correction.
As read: 12:14
